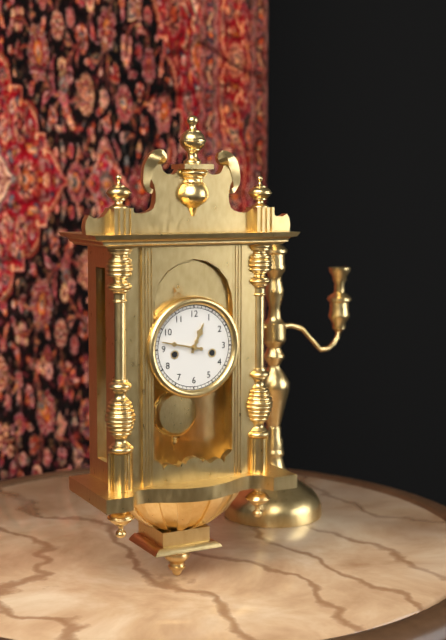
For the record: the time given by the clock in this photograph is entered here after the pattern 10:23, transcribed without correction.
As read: 12:47
